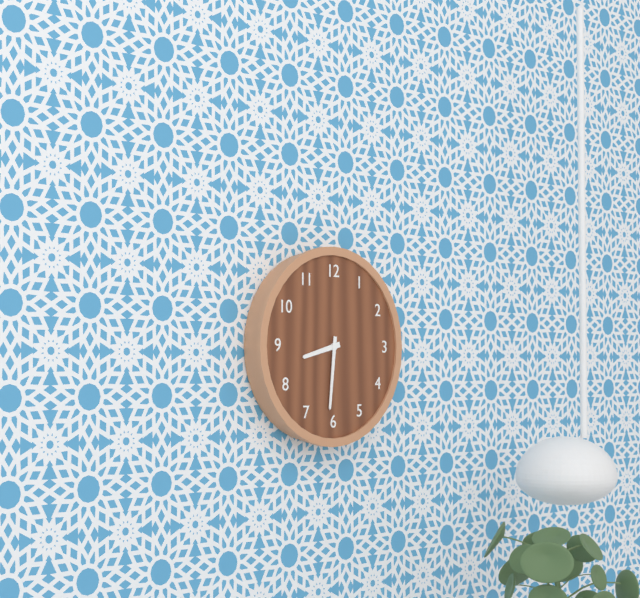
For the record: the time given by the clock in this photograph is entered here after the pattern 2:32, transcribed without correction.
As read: 8:31
